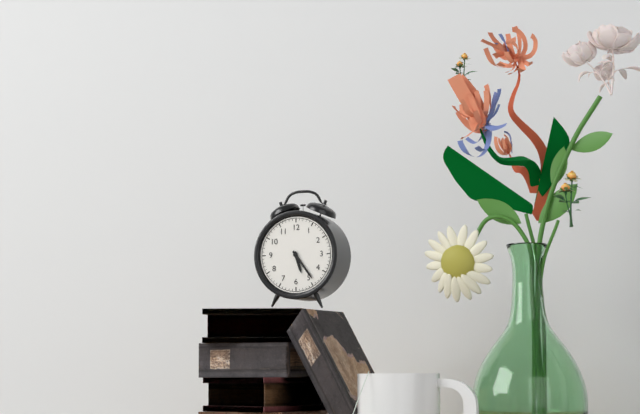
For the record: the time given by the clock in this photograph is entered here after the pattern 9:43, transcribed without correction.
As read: 5:24
